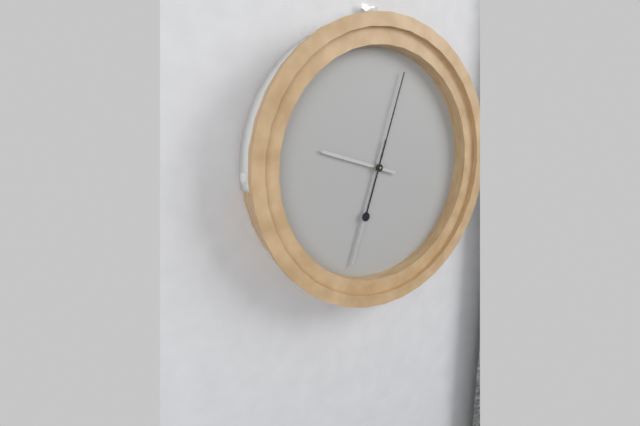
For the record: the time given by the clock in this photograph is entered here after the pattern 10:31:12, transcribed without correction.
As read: 9:33:03
